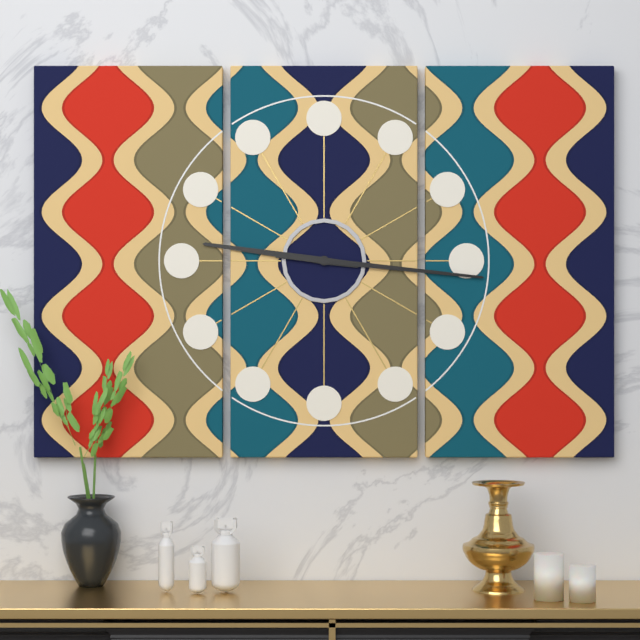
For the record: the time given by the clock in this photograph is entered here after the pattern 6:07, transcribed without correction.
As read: 9:16
